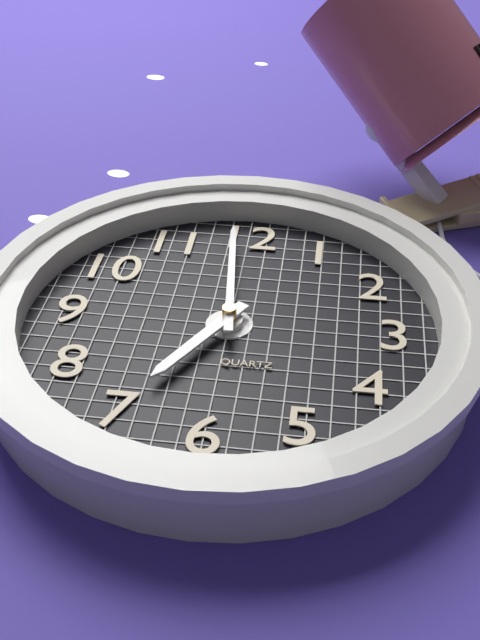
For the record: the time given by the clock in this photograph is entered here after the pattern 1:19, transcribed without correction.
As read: 6:59
